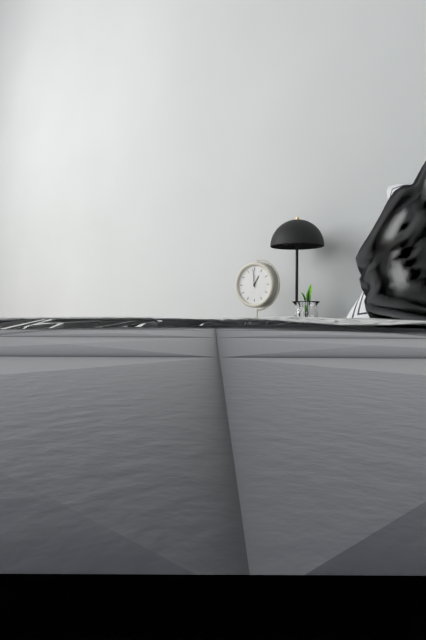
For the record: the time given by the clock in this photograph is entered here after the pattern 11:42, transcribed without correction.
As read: 12:59
